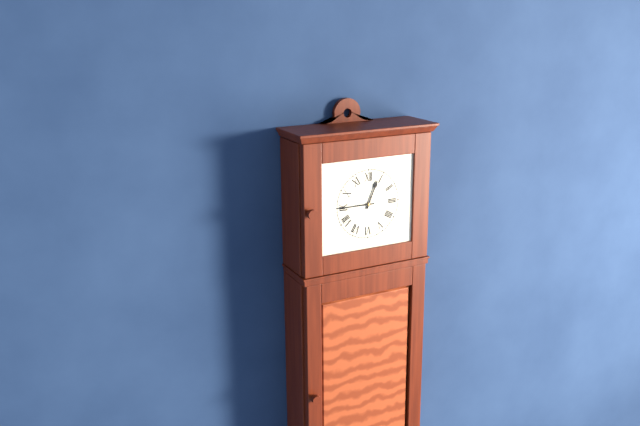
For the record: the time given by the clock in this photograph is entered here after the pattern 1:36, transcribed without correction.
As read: 12:45
